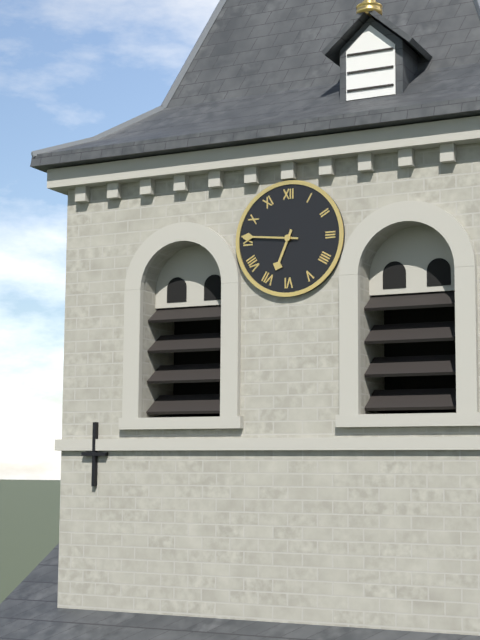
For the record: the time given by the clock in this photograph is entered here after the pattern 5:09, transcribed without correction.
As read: 6:46
